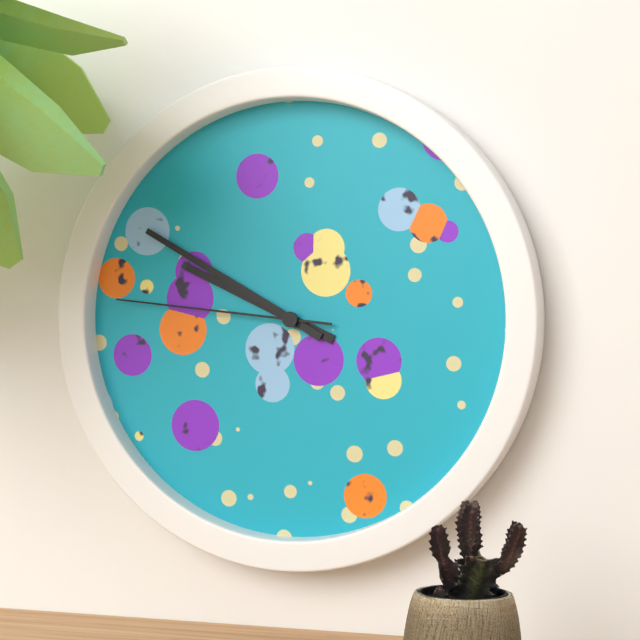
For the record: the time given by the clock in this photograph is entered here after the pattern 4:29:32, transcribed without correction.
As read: 9:50:46
